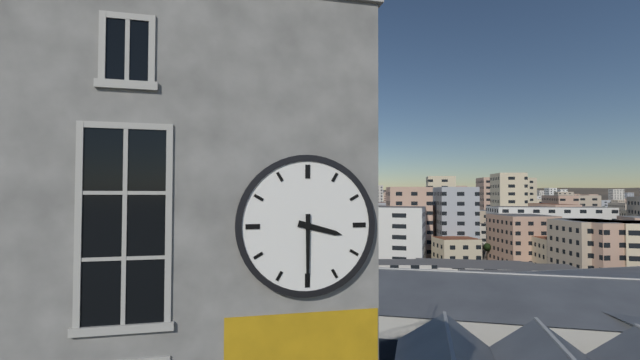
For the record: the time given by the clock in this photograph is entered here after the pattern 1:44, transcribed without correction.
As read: 3:30
